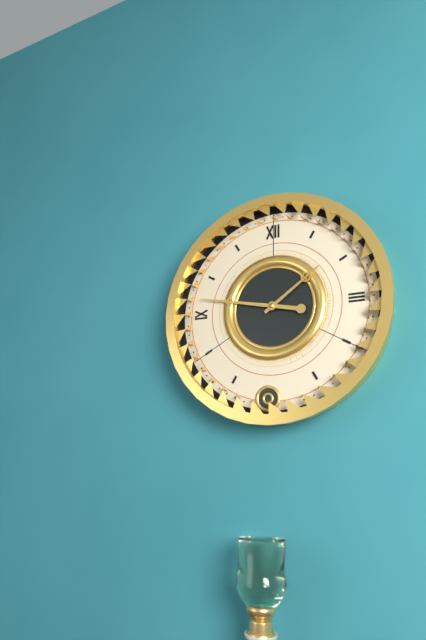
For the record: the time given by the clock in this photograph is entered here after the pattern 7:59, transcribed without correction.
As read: 1:47
